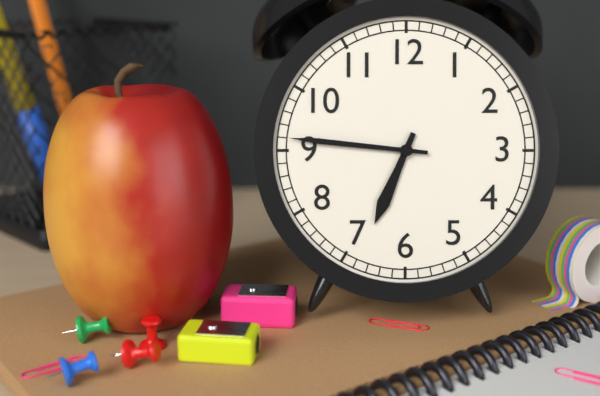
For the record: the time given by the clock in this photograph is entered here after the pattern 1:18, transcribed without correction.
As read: 6:46
